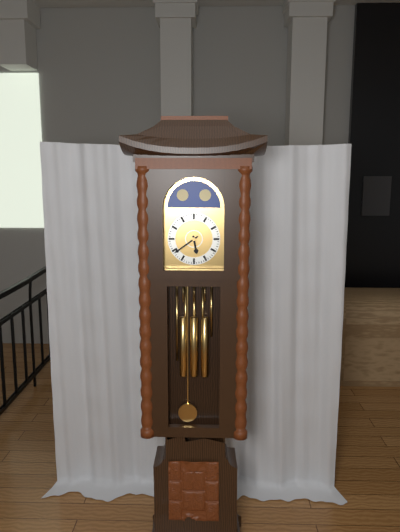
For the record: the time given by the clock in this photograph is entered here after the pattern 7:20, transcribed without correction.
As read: 5:39
